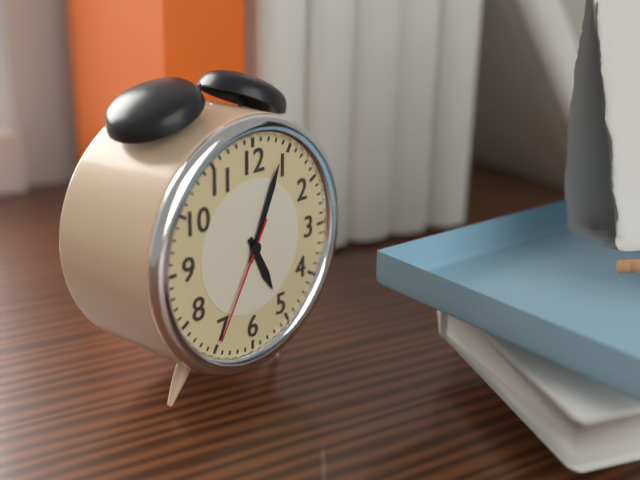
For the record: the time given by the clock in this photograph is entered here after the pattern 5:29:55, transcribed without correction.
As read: 5:04:35
